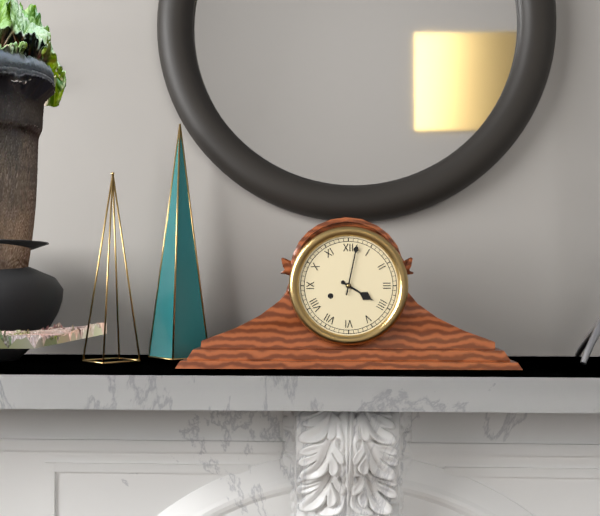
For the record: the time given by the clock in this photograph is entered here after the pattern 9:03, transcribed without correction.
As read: 4:02
